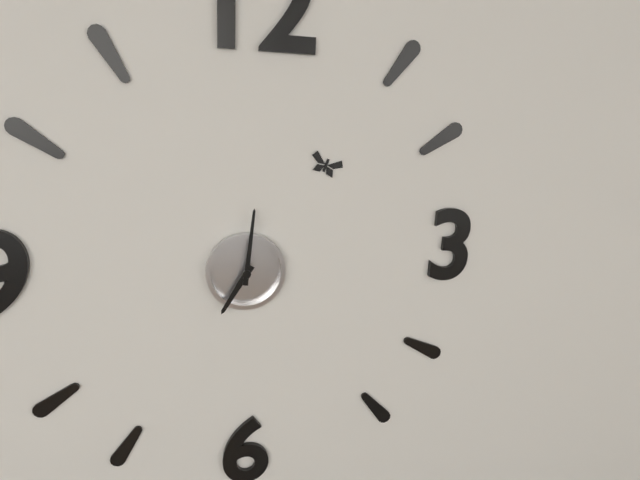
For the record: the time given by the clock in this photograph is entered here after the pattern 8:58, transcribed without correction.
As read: 7:01
